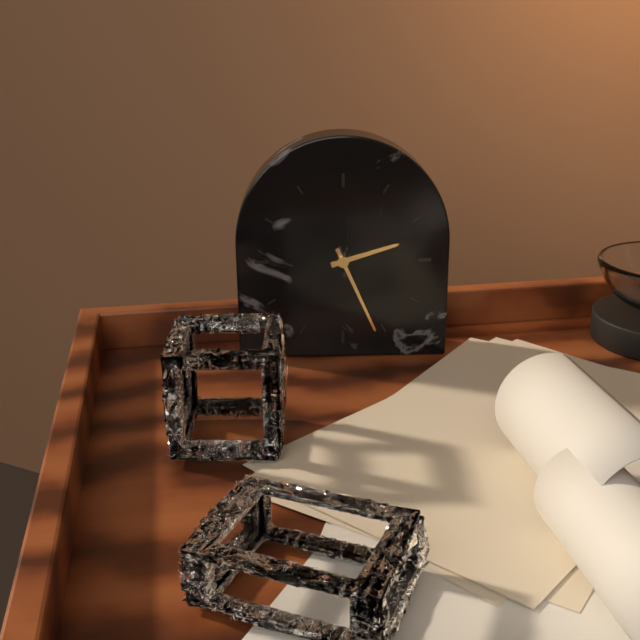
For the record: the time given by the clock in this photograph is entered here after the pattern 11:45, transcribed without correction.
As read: 2:26
